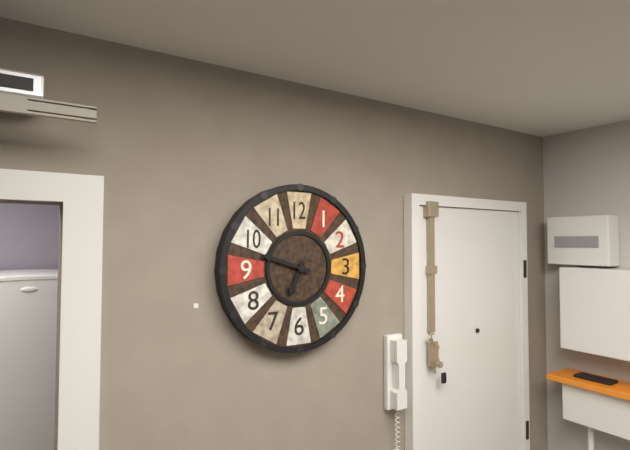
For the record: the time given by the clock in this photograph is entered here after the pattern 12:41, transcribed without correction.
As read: 6:48
